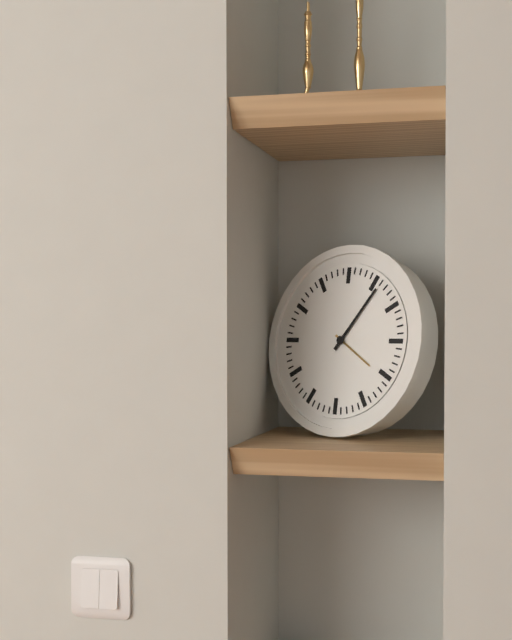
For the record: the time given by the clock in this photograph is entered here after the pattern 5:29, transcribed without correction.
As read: 4:06
